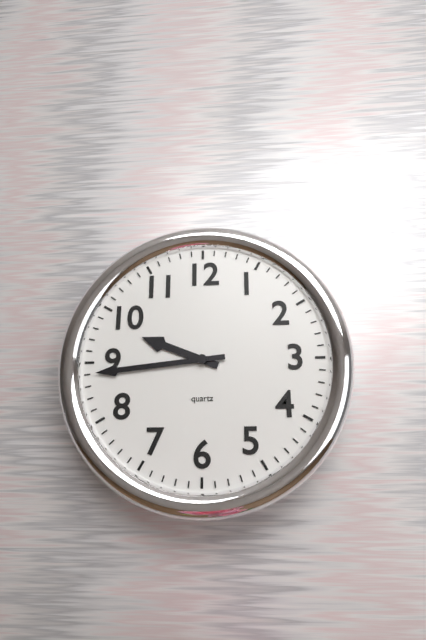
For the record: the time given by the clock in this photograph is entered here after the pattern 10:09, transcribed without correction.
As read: 9:44
